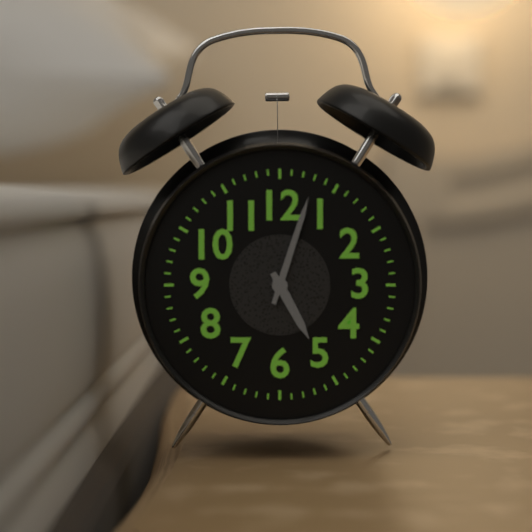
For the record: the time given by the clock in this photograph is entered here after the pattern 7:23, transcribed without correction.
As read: 5:03
